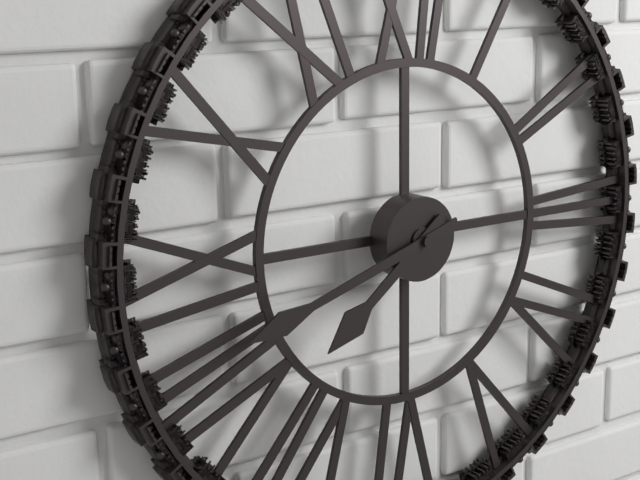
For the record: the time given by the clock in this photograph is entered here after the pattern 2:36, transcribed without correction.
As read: 7:42
